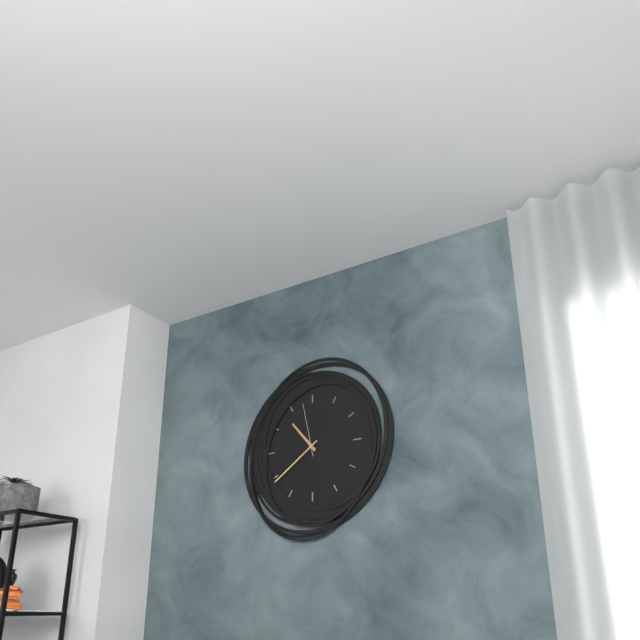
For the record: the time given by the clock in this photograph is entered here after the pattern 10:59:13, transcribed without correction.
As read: 10:39:58
